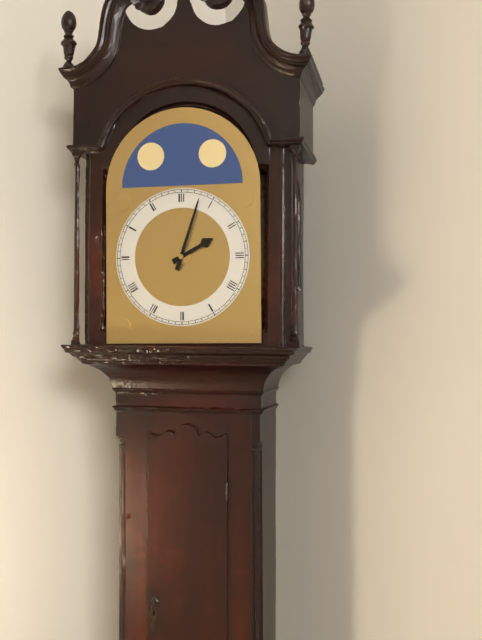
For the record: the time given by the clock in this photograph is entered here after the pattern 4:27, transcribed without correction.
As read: 2:03
